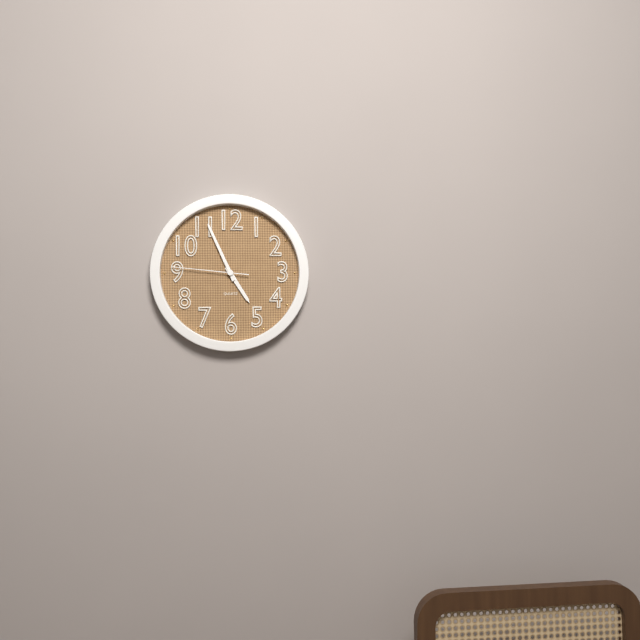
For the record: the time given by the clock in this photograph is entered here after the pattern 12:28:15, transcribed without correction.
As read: 4:56:46
